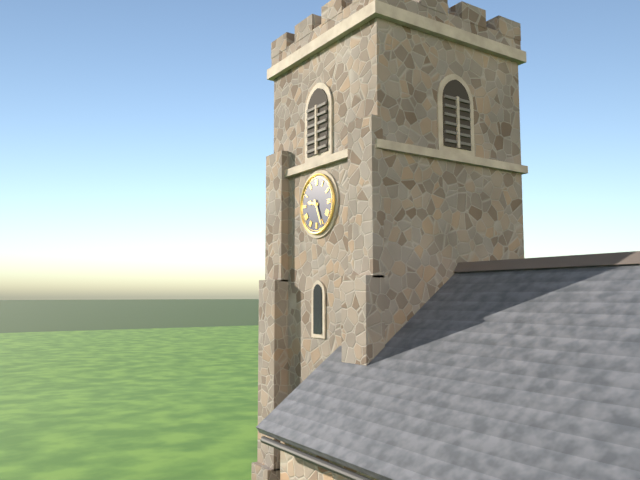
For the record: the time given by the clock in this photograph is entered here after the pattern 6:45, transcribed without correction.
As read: 9:26
